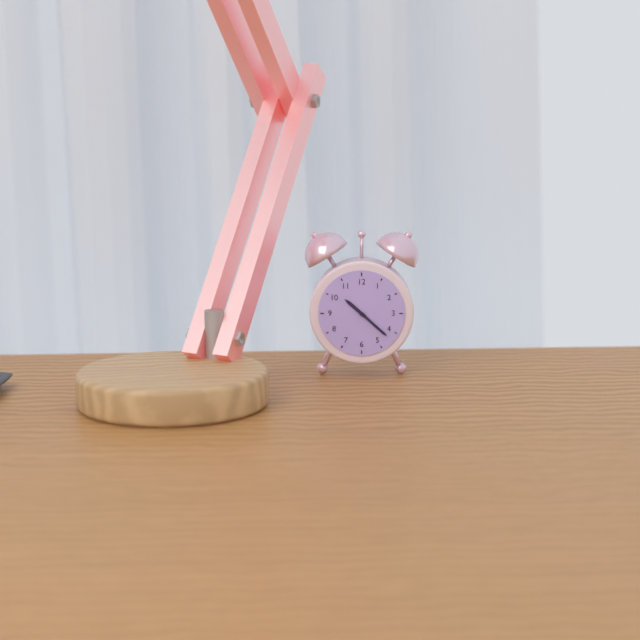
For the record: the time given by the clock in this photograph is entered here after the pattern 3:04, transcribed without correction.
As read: 10:22
